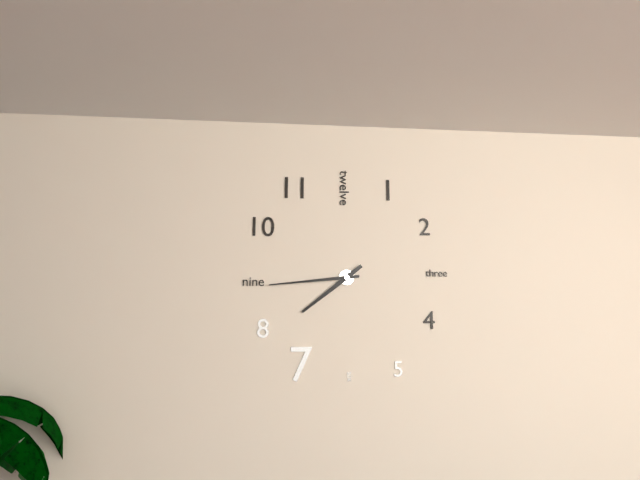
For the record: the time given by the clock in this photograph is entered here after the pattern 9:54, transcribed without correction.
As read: 7:44
